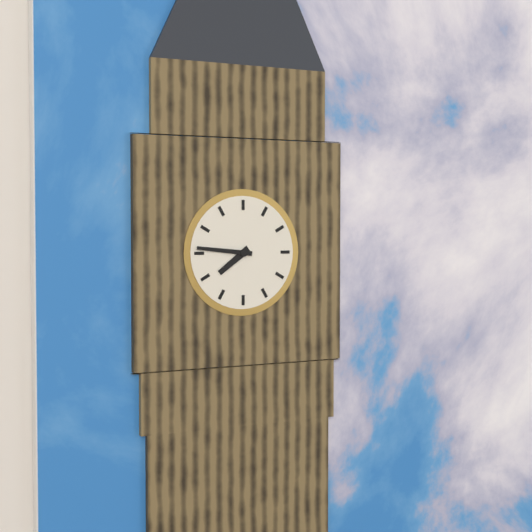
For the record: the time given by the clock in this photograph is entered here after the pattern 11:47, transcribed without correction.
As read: 7:46
